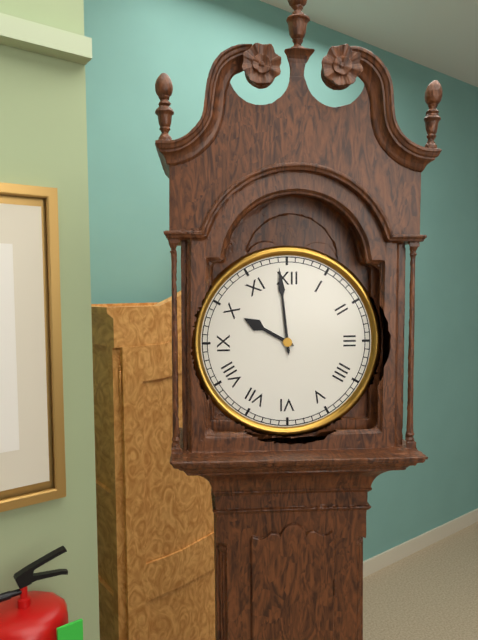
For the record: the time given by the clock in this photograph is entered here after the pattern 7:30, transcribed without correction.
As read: 9:59
